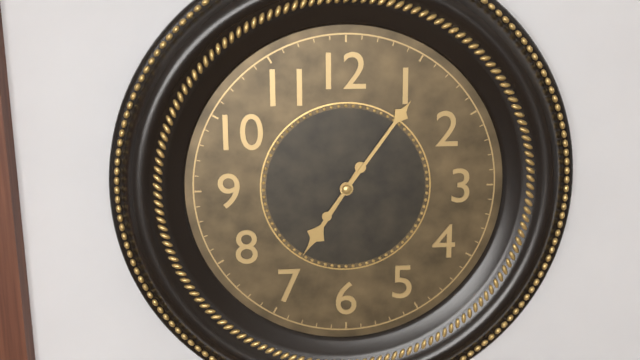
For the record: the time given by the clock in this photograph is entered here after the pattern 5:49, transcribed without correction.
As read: 7:06
